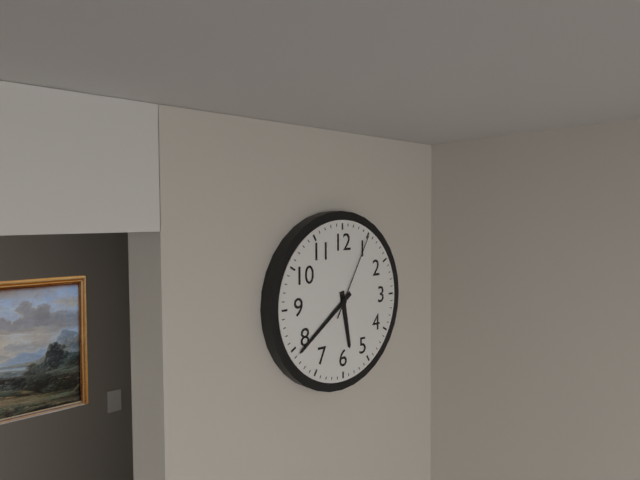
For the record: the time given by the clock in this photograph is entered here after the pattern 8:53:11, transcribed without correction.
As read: 5:39:05
